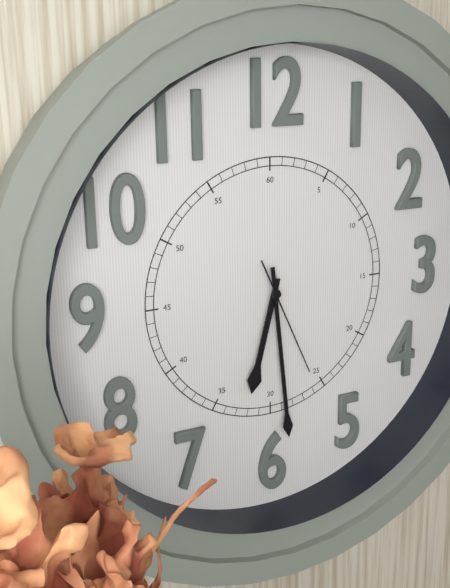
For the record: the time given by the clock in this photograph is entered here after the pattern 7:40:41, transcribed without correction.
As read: 6:29:26
